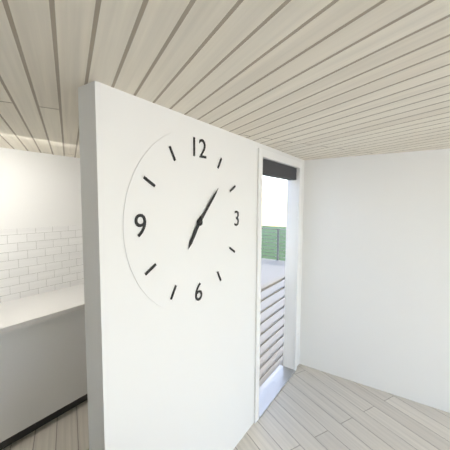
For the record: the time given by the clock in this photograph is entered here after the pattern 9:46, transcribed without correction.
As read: 7:07
